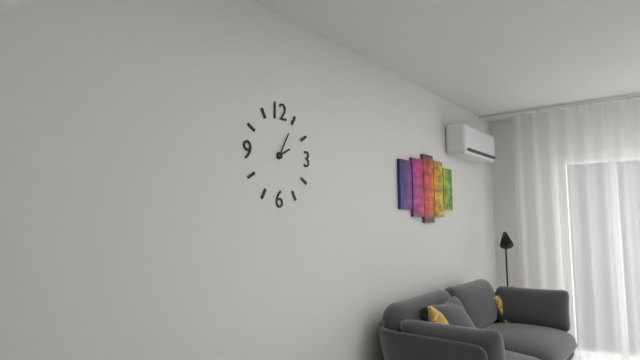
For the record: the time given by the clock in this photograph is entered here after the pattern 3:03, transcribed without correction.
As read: 2:05
